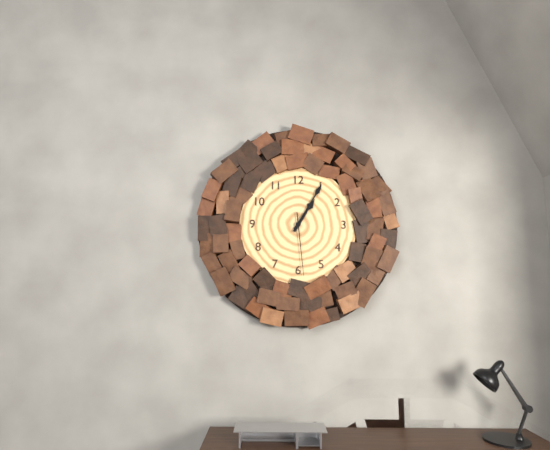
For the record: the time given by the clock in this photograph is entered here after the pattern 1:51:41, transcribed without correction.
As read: 1:05:29
